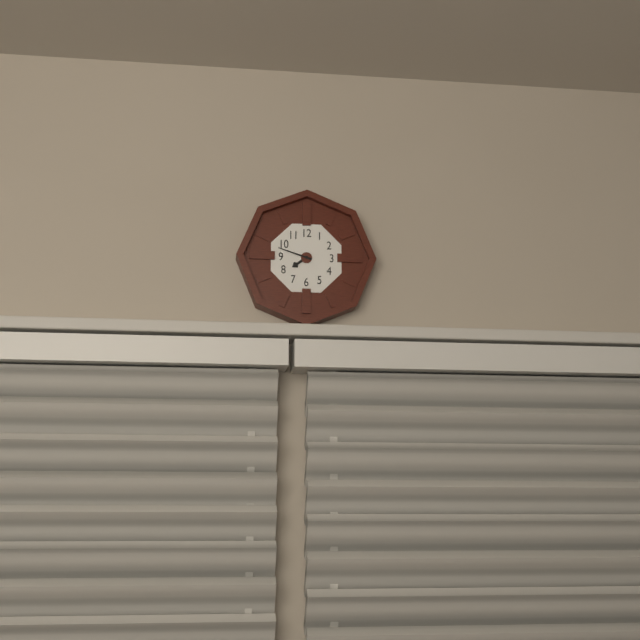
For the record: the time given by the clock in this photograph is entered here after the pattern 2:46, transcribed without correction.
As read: 7:48
